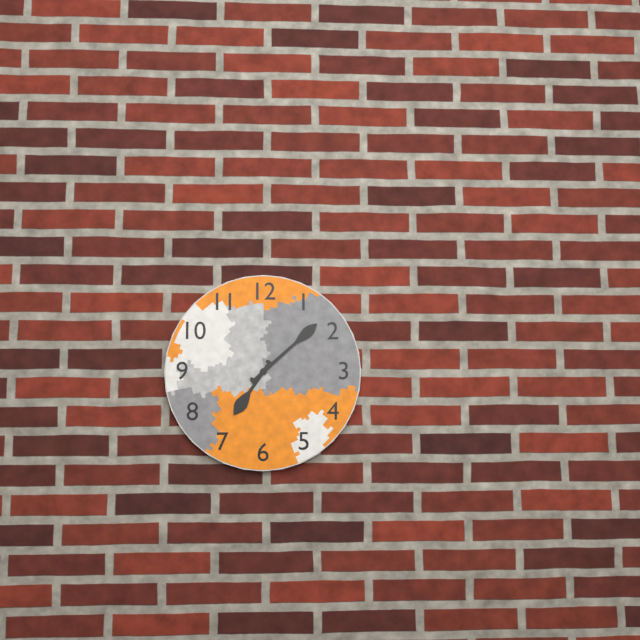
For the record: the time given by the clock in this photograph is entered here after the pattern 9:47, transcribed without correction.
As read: 7:08
